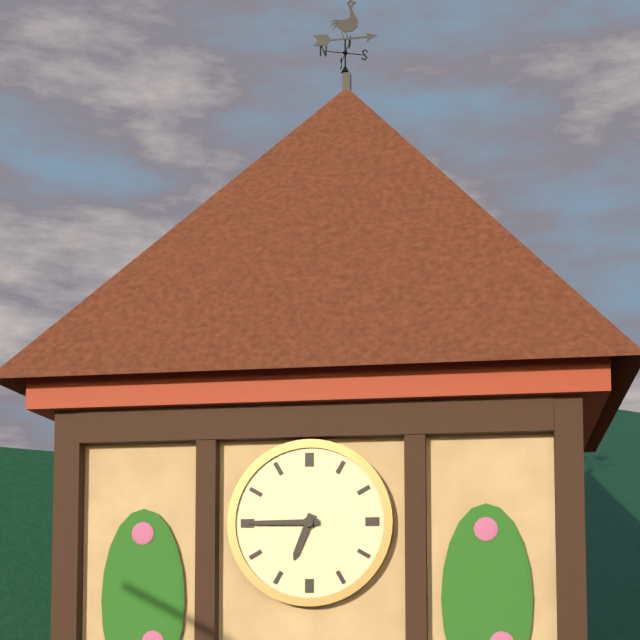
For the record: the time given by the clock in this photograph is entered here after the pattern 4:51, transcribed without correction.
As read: 6:45
